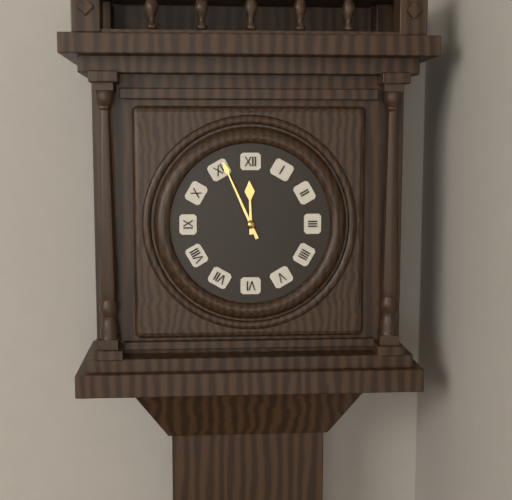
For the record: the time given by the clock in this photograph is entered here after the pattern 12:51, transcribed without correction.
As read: 11:56
